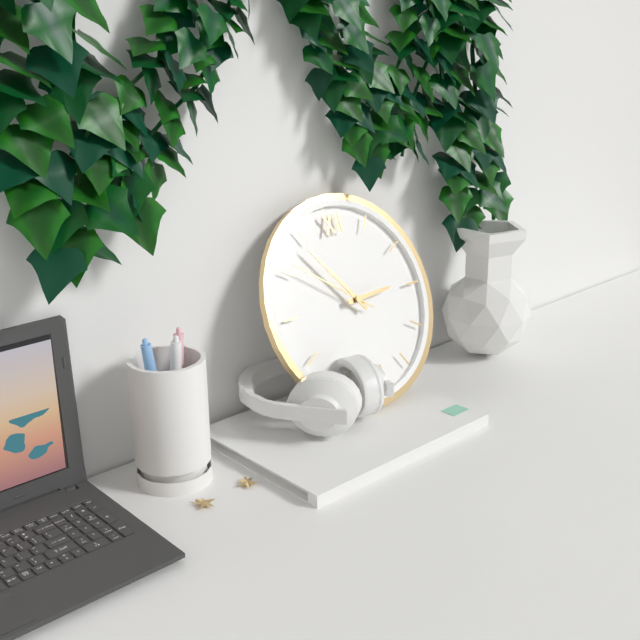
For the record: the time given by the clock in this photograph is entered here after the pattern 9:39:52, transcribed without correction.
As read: 2:54:51
